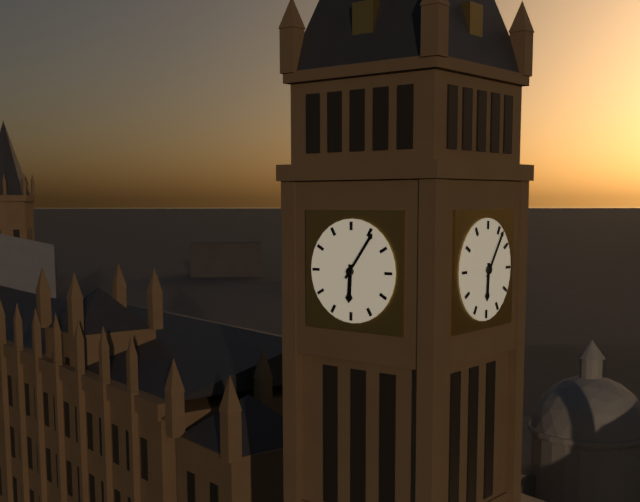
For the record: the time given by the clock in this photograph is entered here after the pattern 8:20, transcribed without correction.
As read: 6:06
